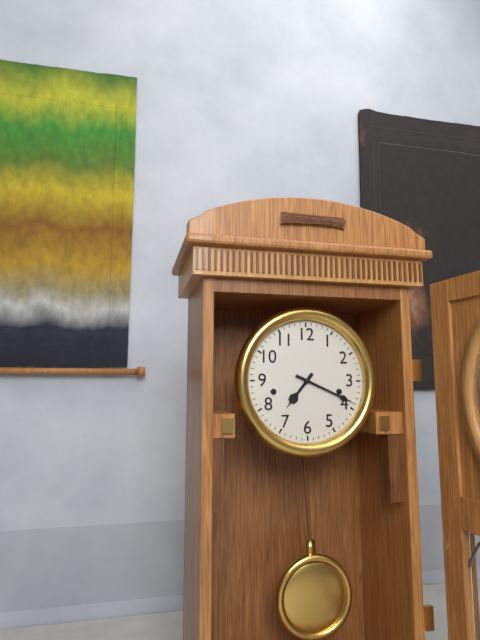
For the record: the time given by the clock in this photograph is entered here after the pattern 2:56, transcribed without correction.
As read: 7:19
